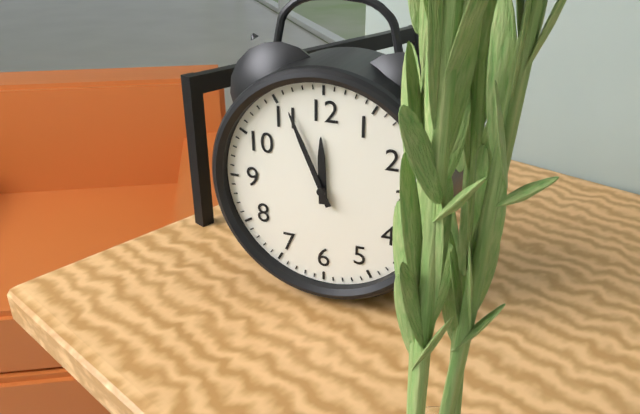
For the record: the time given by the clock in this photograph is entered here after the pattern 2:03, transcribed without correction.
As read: 11:56
